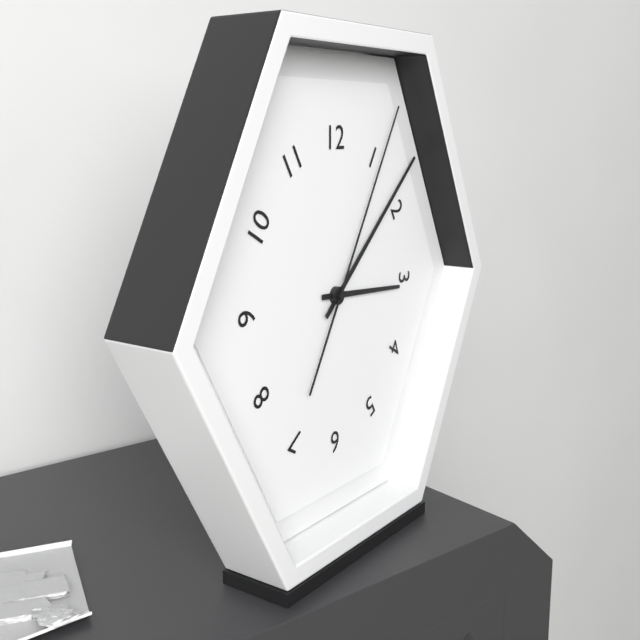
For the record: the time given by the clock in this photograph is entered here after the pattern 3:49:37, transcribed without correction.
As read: 3:08:05
